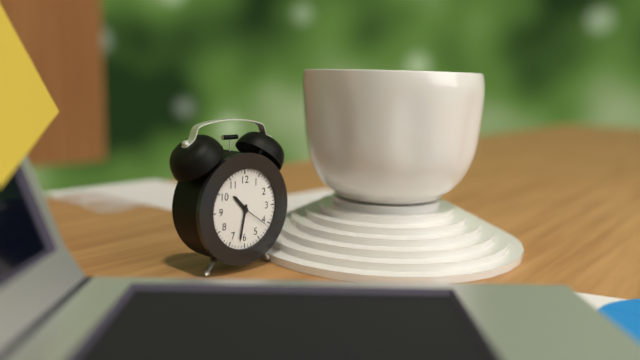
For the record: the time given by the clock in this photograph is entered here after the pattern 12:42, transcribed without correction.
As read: 10:32
